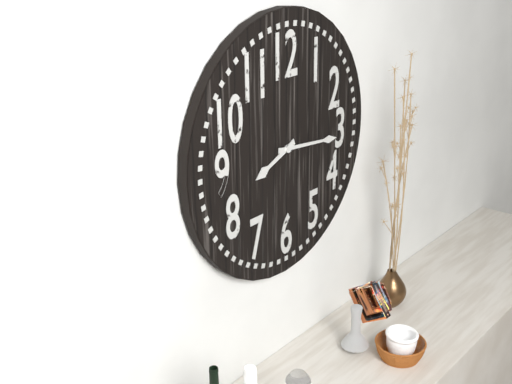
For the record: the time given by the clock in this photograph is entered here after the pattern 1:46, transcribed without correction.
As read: 8:16
